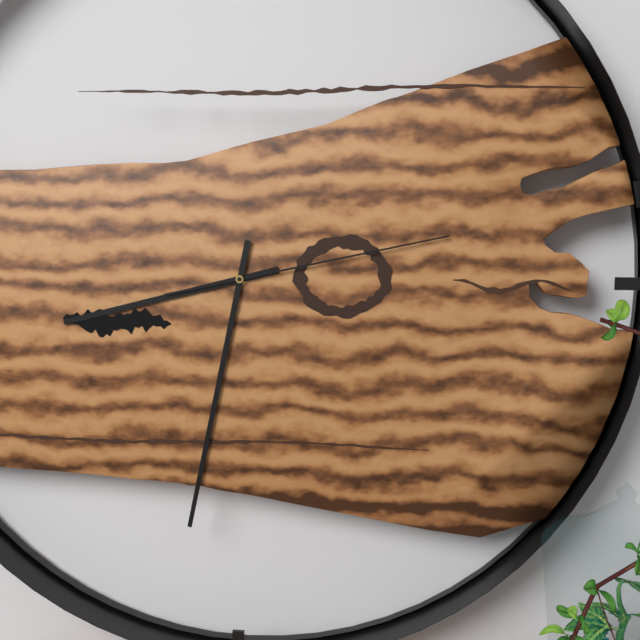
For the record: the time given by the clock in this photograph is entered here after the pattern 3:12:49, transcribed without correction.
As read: 8:32:13
